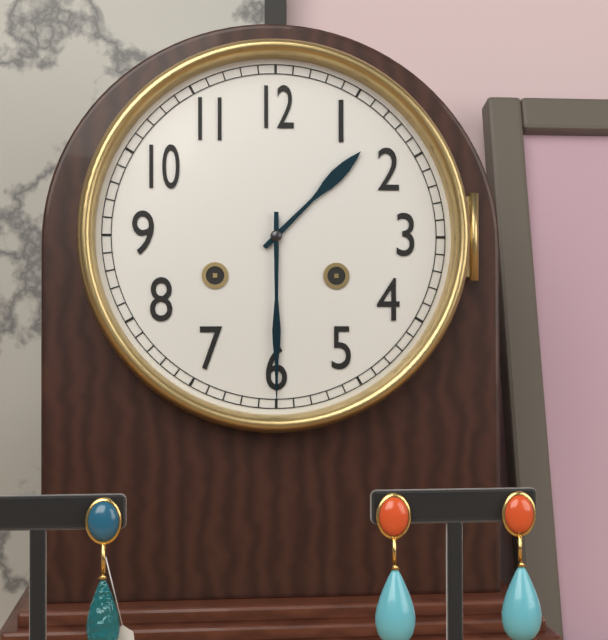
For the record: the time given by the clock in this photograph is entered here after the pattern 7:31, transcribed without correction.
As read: 1:30
